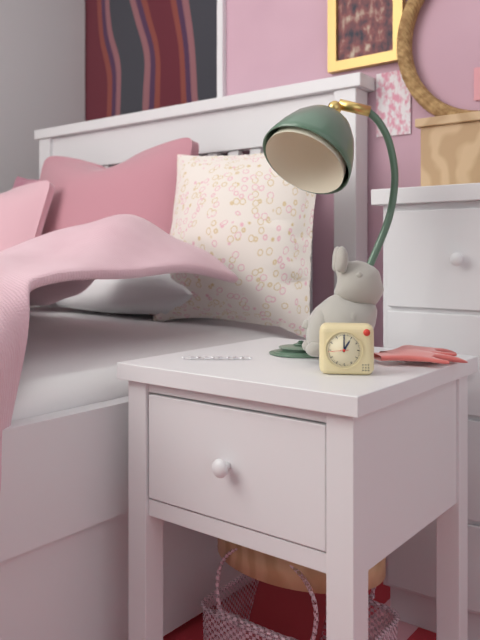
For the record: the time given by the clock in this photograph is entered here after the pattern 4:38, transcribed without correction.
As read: 1:00
